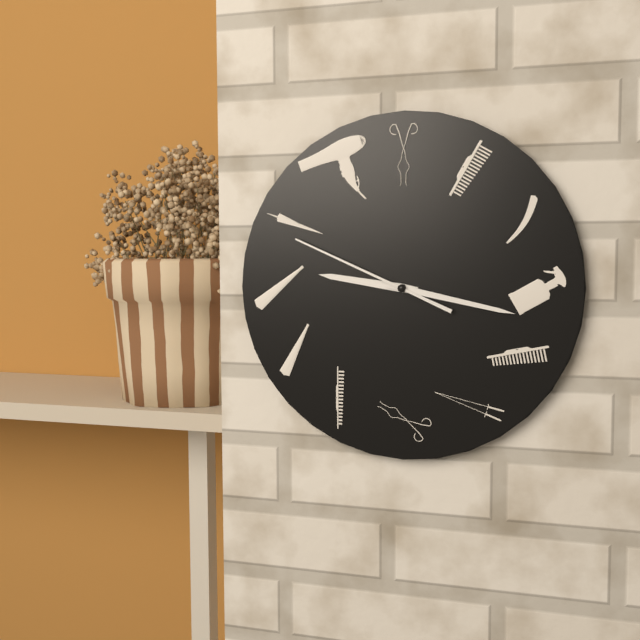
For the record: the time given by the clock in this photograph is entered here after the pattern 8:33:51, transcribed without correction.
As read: 9:17:49
